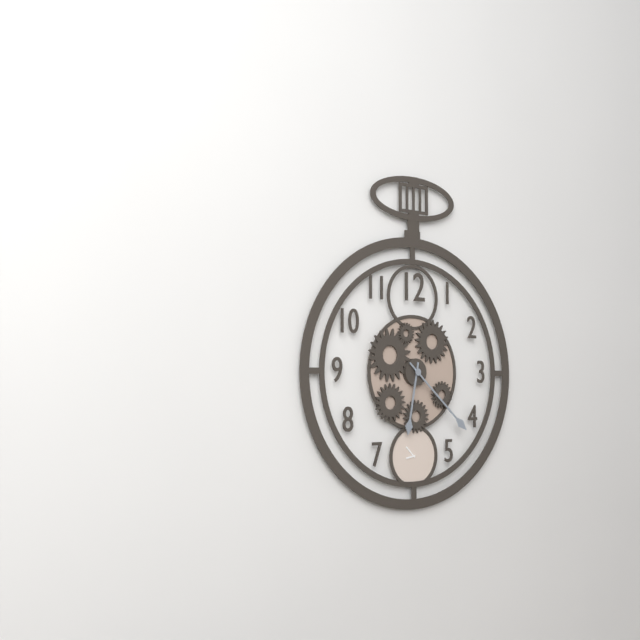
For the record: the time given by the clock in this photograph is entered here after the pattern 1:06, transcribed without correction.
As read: 6:22
